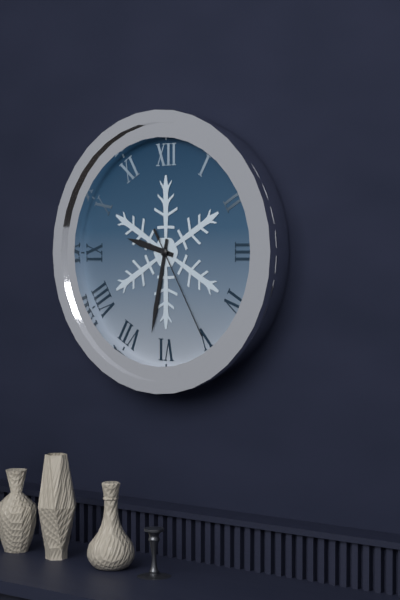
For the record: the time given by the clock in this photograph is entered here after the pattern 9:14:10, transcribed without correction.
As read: 9:32:25
